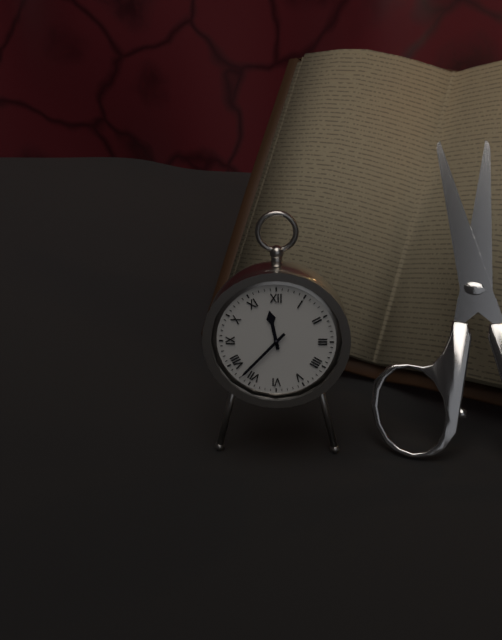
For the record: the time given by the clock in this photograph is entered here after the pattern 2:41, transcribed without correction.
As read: 11:37
